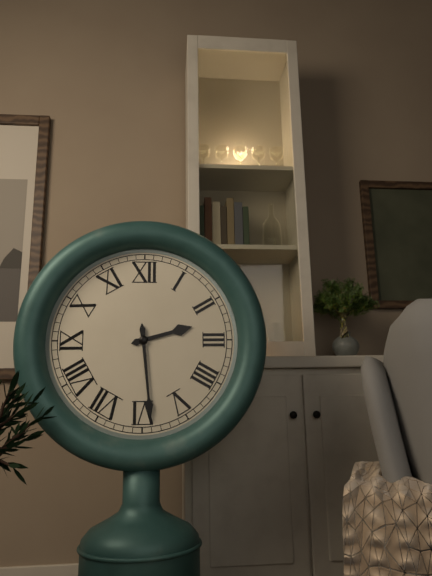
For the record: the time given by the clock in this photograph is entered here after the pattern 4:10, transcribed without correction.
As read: 2:29
